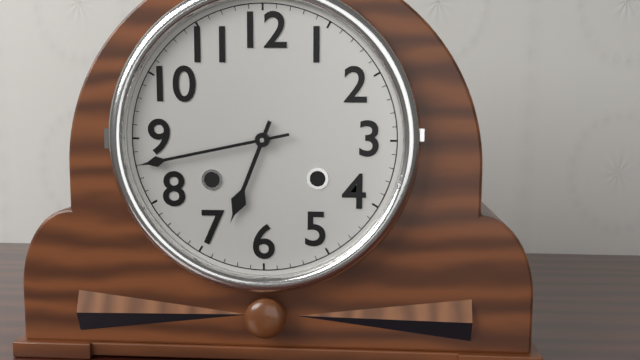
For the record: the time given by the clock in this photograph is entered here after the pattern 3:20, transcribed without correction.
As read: 6:43
